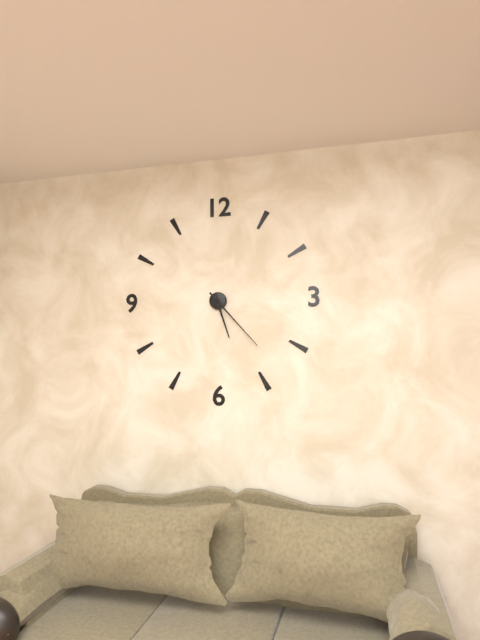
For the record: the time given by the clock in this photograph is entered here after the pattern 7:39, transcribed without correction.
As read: 5:23
